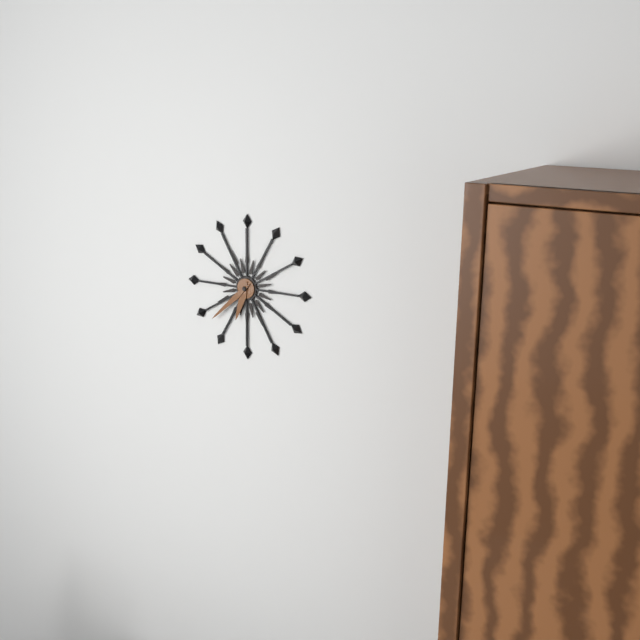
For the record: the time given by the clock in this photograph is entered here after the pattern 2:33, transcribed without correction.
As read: 6:38
